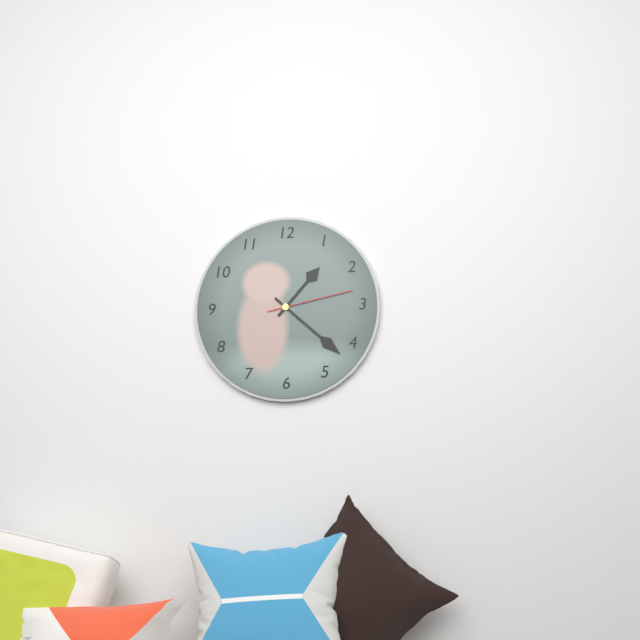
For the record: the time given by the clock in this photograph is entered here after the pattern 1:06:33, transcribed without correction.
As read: 1:22:13
